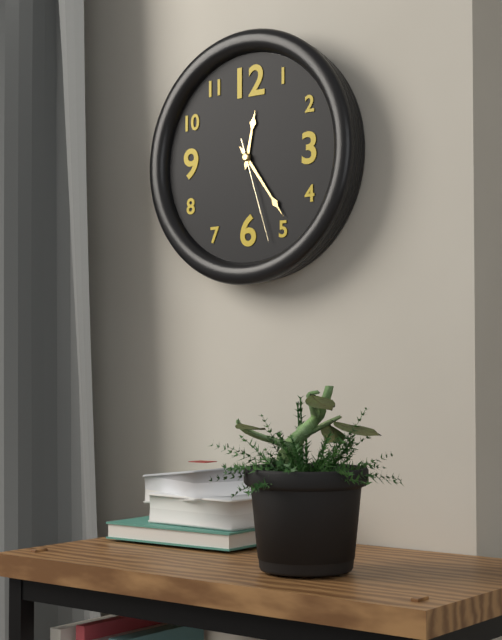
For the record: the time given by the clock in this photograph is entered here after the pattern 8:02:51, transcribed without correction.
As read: 12:24:27
